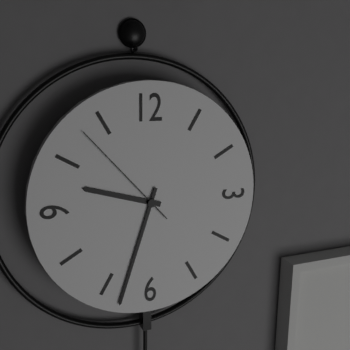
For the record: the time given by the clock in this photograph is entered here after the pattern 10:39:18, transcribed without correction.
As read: 9:33:53
